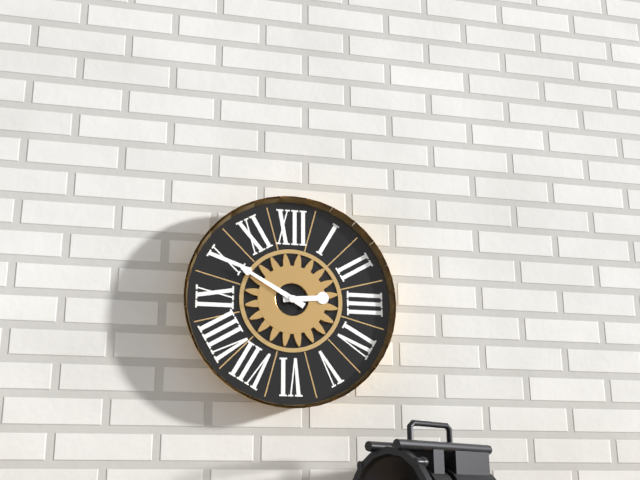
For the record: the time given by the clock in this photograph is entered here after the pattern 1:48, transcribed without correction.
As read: 2:50
